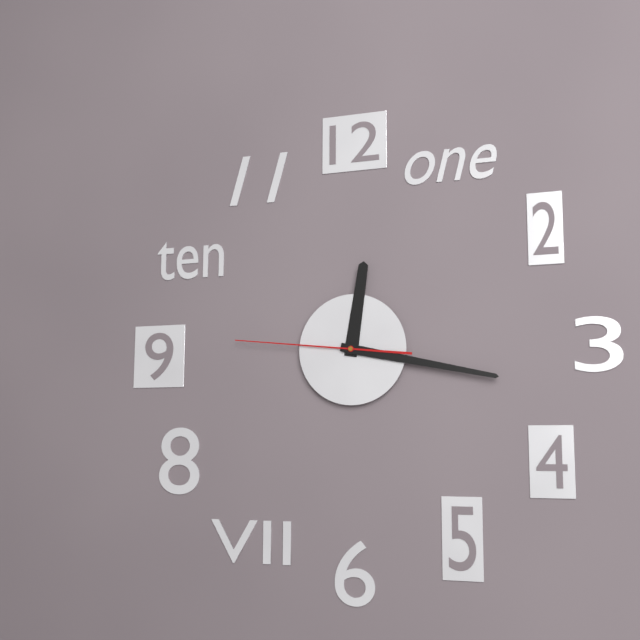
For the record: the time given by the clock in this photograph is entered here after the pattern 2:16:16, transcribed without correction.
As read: 12:17:46
